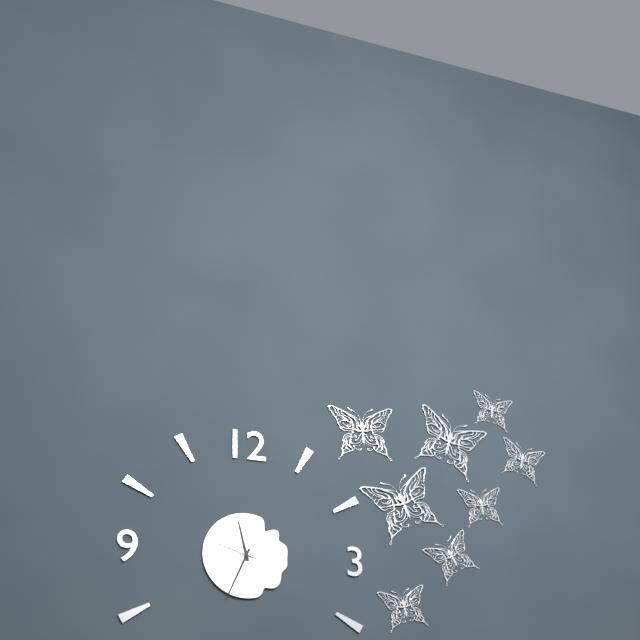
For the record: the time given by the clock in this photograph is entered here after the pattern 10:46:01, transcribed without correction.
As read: 11:34:48
